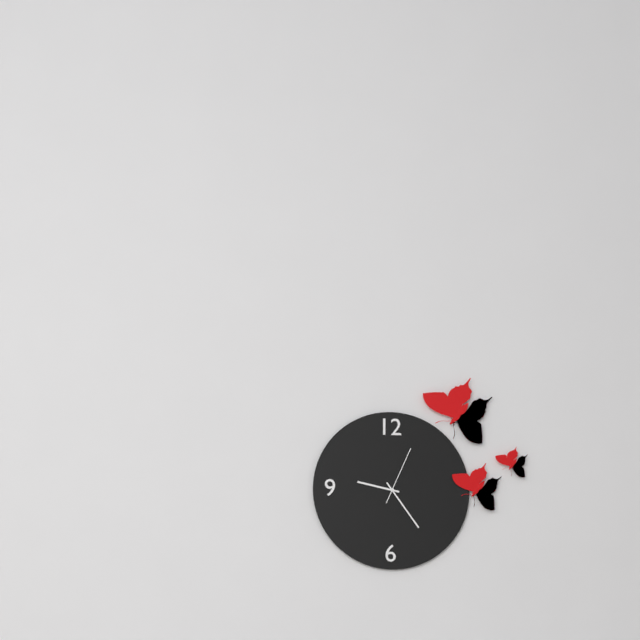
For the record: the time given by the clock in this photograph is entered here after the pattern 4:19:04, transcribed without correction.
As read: 9:24:04
